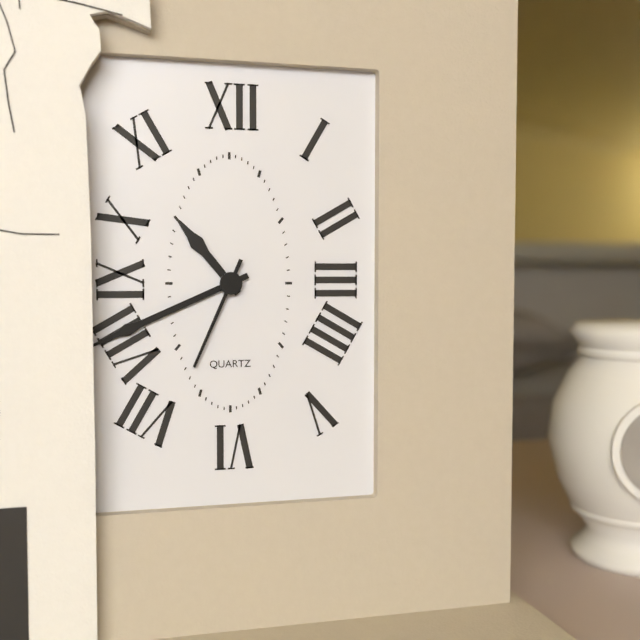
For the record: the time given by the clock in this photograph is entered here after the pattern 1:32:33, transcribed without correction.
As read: 10:41:34
